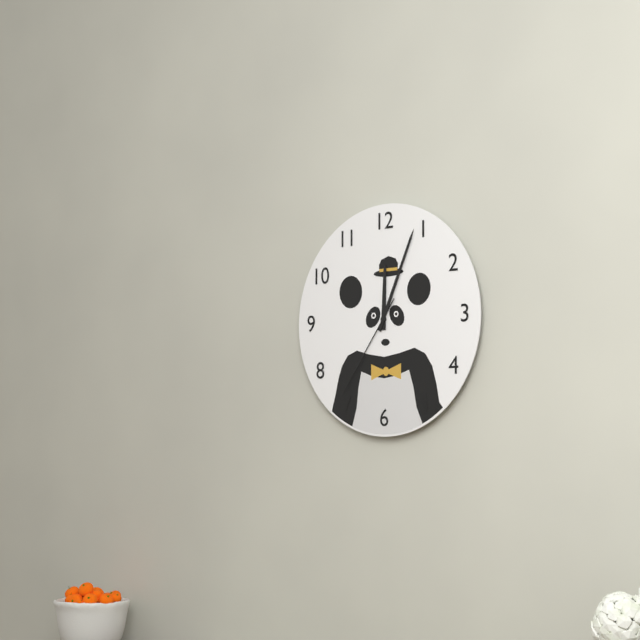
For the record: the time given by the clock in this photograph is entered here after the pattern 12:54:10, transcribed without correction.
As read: 12:04:36
